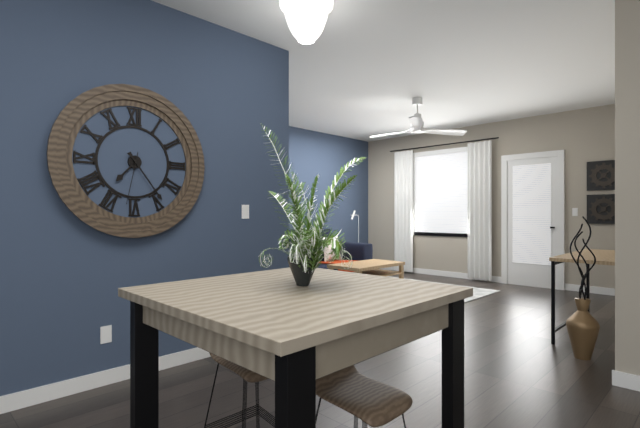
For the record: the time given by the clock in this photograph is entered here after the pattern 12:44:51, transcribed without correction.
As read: 7:24:32
